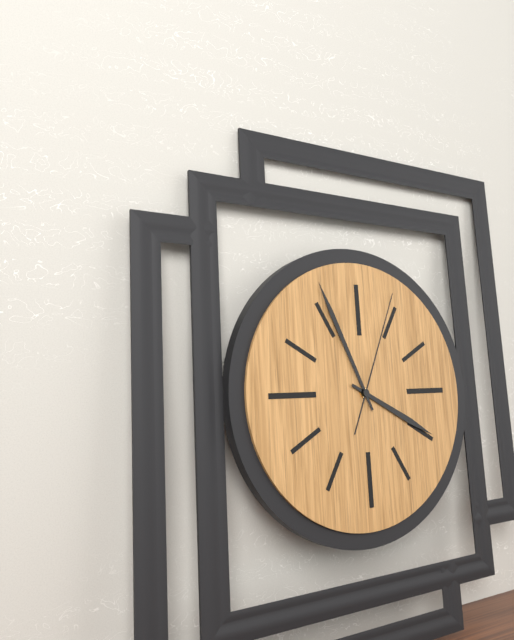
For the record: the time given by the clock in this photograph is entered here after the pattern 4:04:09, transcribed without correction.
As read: 3:56:04
